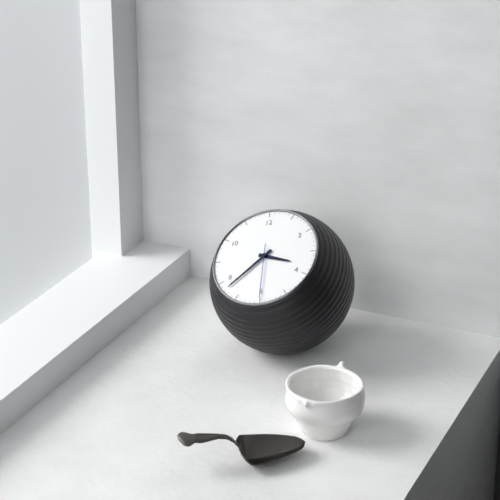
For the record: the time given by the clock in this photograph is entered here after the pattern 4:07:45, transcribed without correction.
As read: 3:38:30
